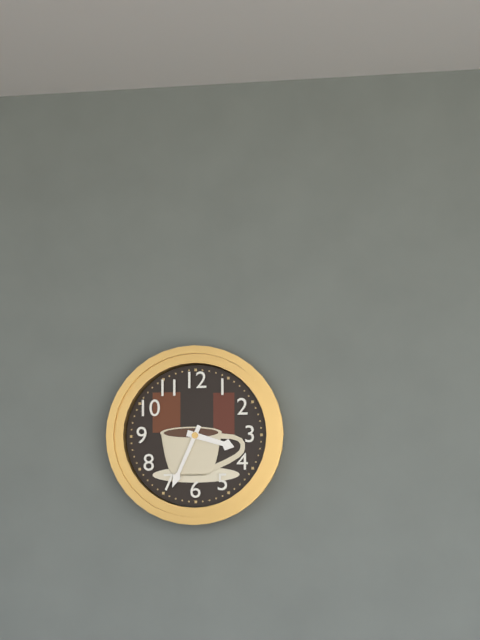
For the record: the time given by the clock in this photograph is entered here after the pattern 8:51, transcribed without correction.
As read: 3:34
